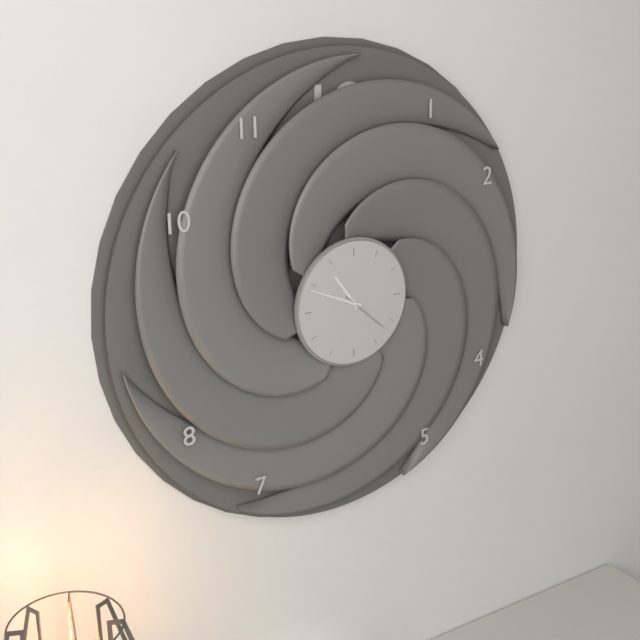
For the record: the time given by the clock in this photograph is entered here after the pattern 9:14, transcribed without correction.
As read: 10:49
